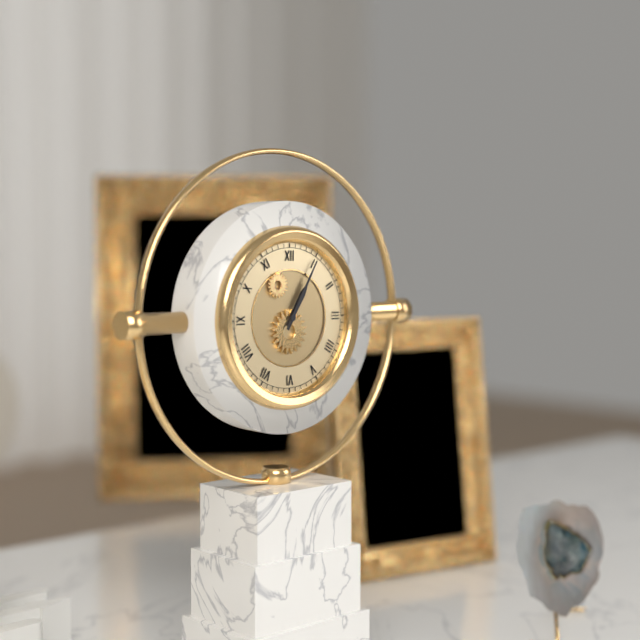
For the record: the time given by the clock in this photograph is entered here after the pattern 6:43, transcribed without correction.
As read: 1:05
